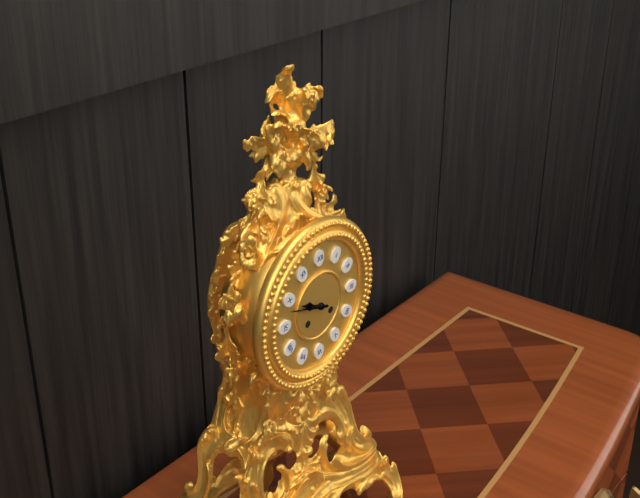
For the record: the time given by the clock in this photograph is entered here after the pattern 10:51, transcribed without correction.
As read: 9:48
